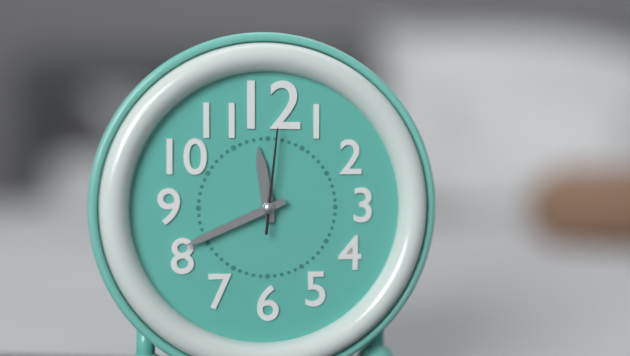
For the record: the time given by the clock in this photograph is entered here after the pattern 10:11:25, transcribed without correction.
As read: 11:41:01
